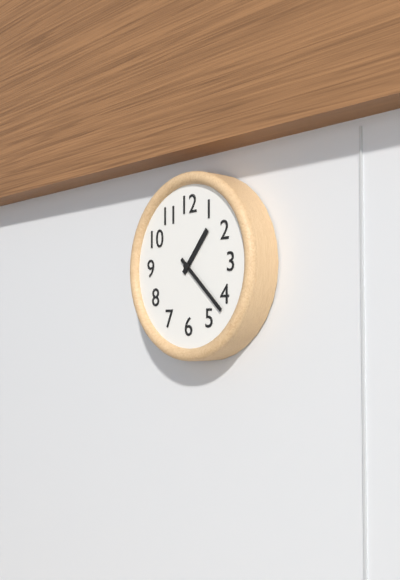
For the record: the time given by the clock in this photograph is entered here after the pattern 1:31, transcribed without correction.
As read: 1:22
